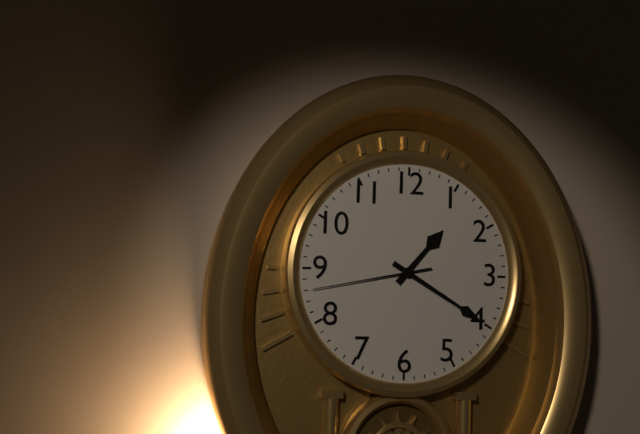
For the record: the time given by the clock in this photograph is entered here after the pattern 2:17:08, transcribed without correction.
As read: 1:20:43
